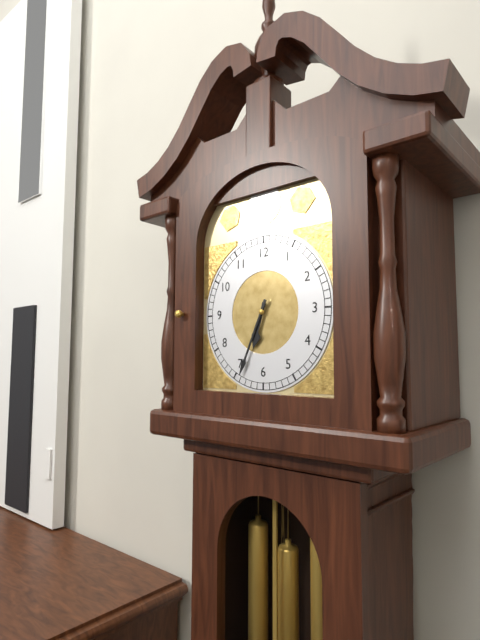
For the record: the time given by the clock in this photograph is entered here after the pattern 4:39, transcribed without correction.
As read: 6:34
